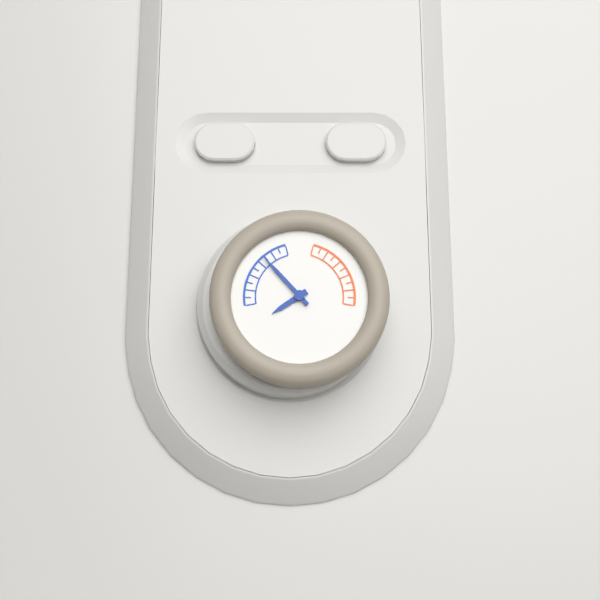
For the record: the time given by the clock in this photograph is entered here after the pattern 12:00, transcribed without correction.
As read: 7:53
